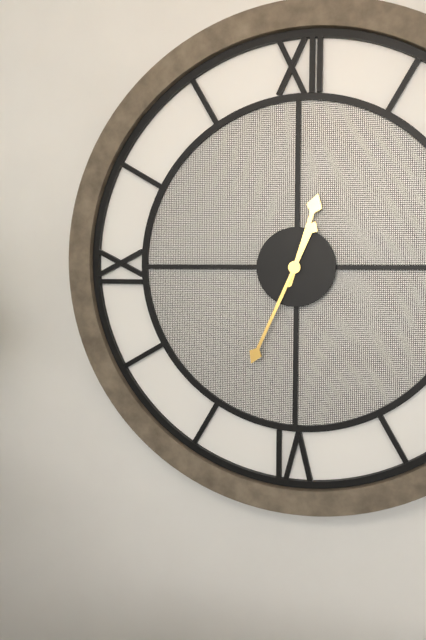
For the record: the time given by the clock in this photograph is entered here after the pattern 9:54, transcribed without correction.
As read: 12:34
